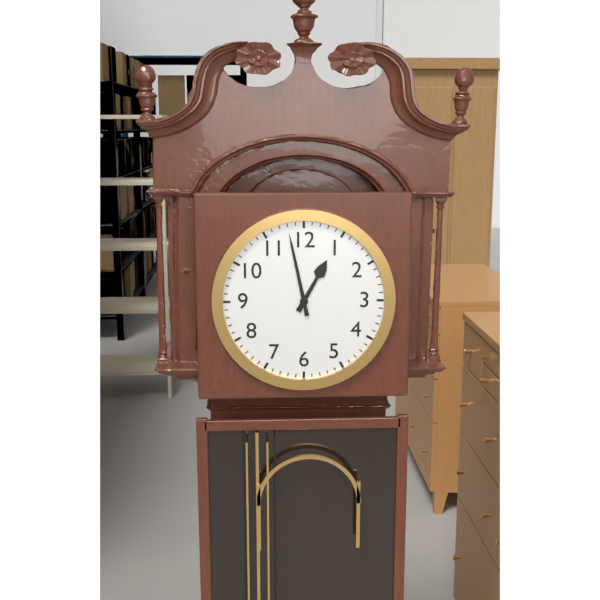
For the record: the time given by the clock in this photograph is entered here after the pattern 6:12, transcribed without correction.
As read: 12:58
